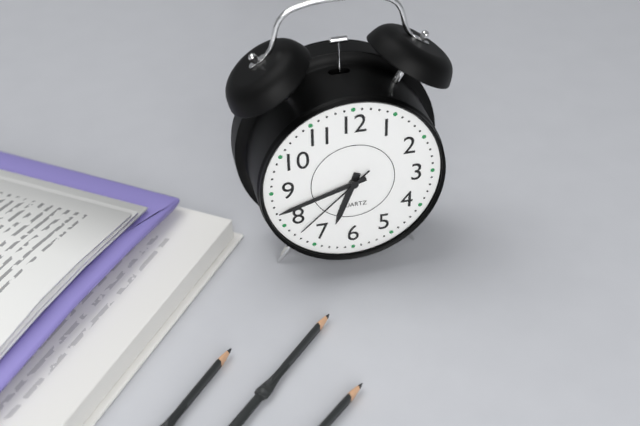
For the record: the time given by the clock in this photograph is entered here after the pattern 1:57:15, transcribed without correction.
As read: 6:42:38
